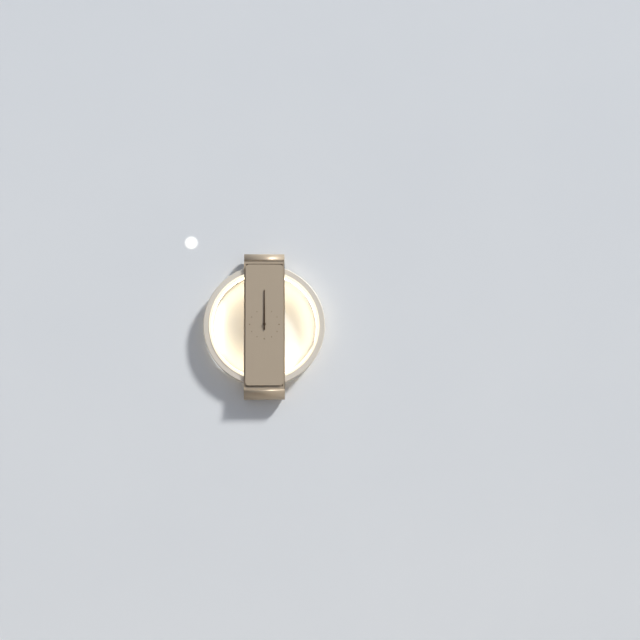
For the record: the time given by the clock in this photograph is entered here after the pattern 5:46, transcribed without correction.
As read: 12:00
